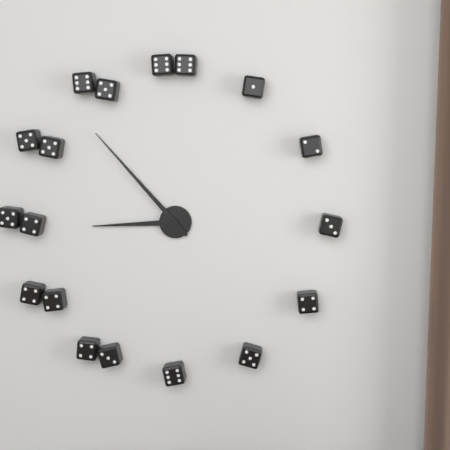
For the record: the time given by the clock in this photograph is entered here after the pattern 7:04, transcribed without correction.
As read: 8:53
